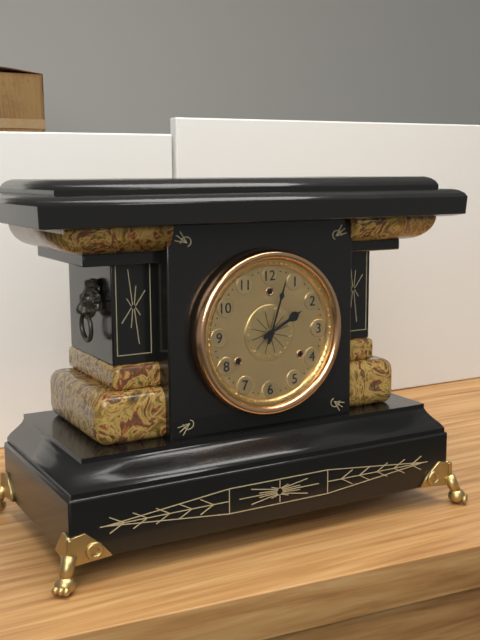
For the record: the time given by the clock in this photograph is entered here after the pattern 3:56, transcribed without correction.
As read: 2:03
